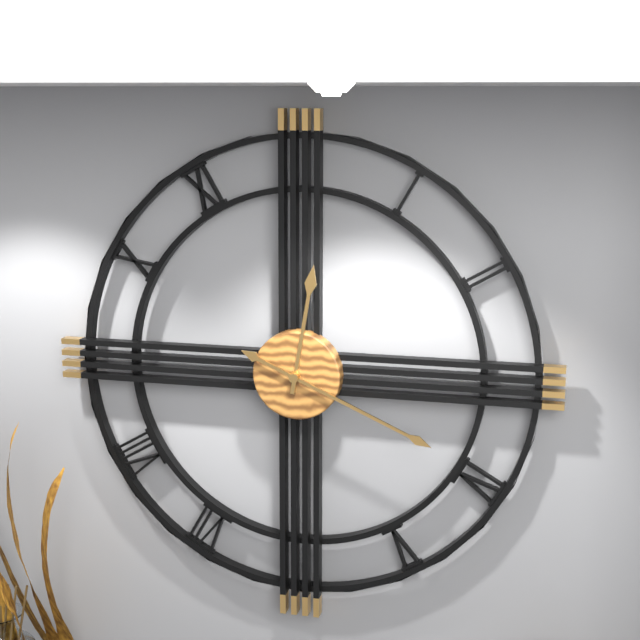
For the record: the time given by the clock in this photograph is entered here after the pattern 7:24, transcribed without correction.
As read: 12:19
